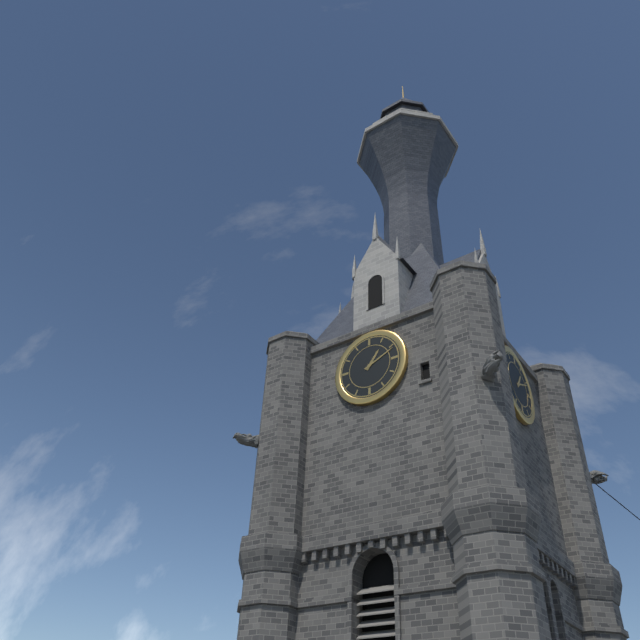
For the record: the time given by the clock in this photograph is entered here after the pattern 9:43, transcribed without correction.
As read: 1:11
